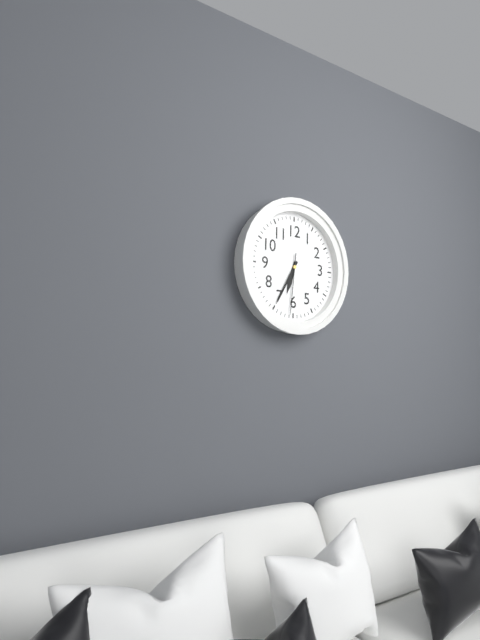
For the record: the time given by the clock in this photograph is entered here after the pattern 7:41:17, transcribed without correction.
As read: 6:35:31
